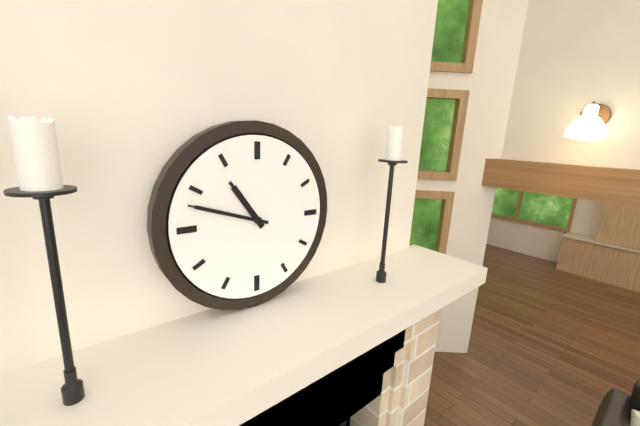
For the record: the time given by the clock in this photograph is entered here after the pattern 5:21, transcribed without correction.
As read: 10:48
